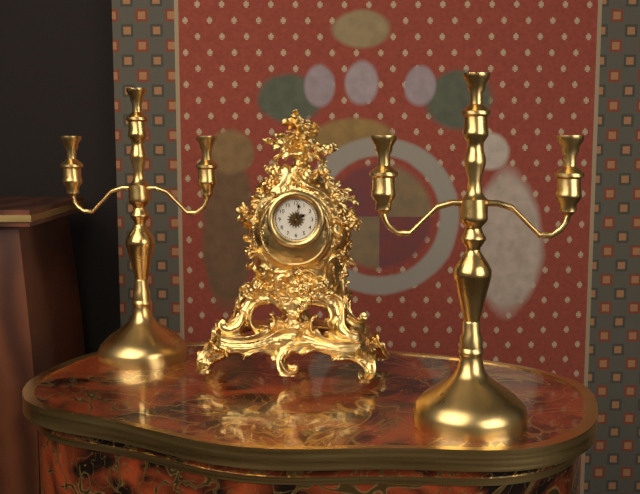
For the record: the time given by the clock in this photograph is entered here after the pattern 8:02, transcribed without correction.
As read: 2:02
